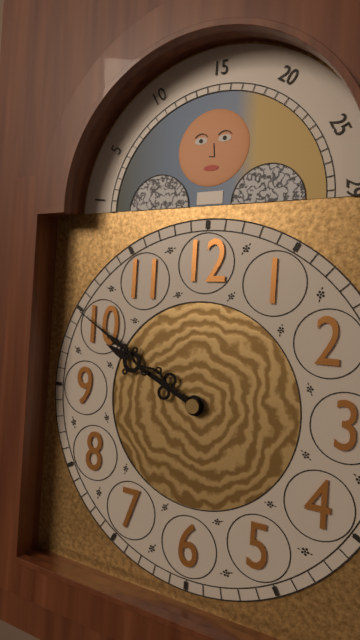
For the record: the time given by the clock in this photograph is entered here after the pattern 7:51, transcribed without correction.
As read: 9:50
